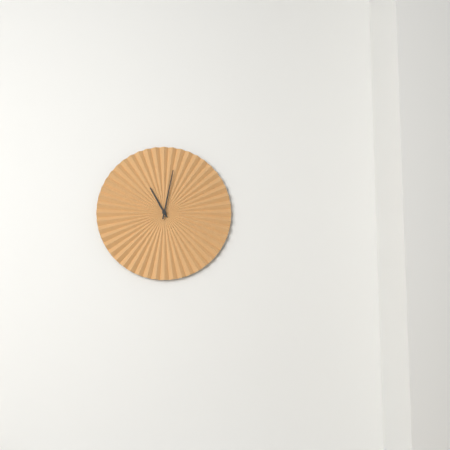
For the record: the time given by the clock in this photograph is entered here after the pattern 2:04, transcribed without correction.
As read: 11:02
